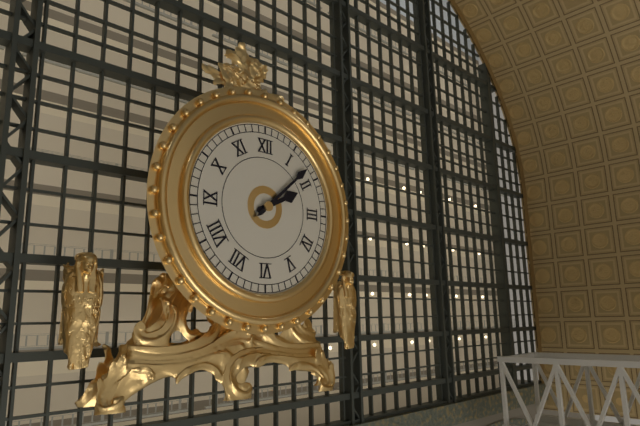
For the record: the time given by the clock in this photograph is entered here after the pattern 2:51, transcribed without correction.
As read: 2:08
